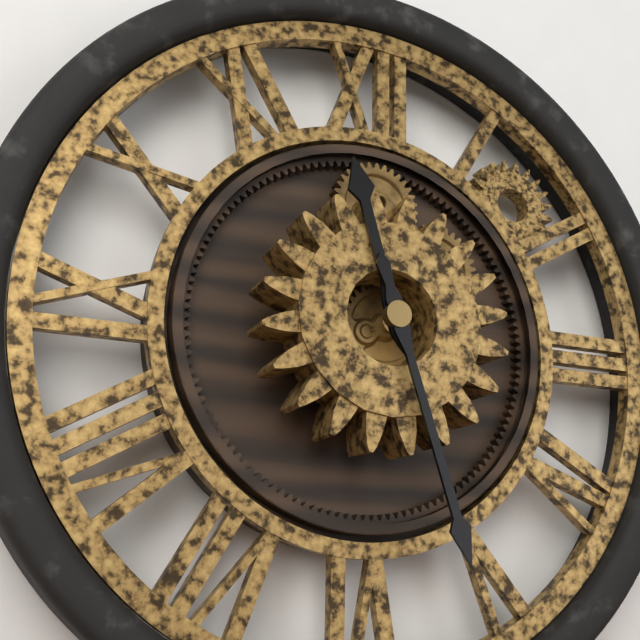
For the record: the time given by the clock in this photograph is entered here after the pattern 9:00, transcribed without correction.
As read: 11:27
